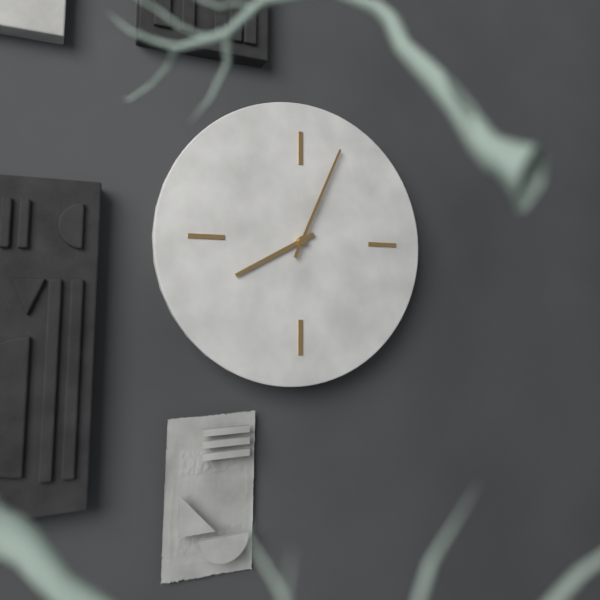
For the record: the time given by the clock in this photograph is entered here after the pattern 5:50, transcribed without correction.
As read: 8:04
